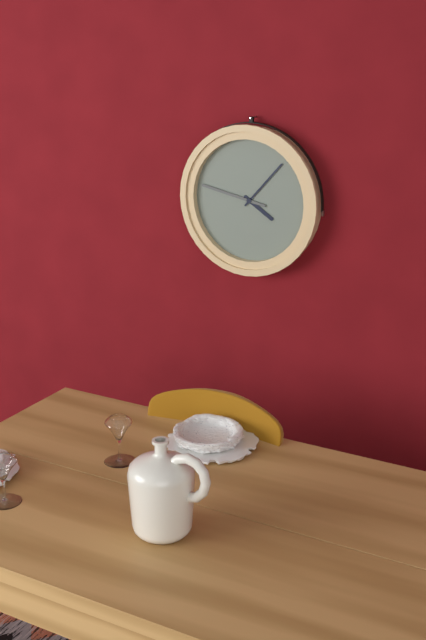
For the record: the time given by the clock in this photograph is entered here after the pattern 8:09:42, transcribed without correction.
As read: 4:07:47
